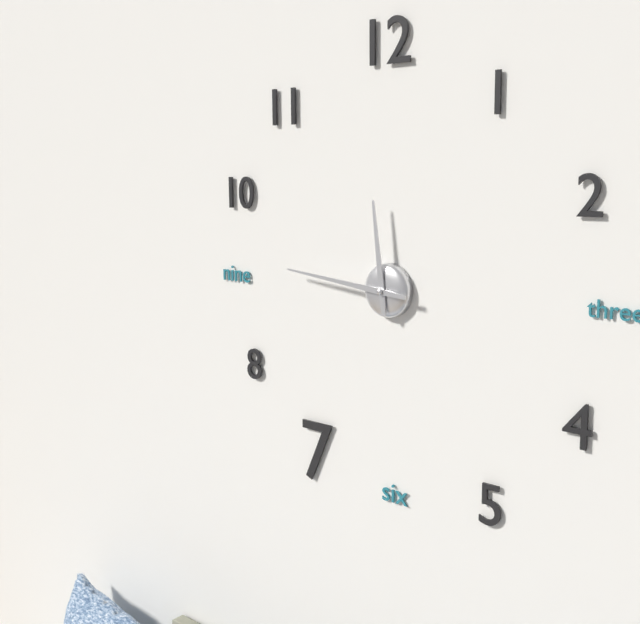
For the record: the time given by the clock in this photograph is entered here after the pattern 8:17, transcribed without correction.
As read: 11:46
